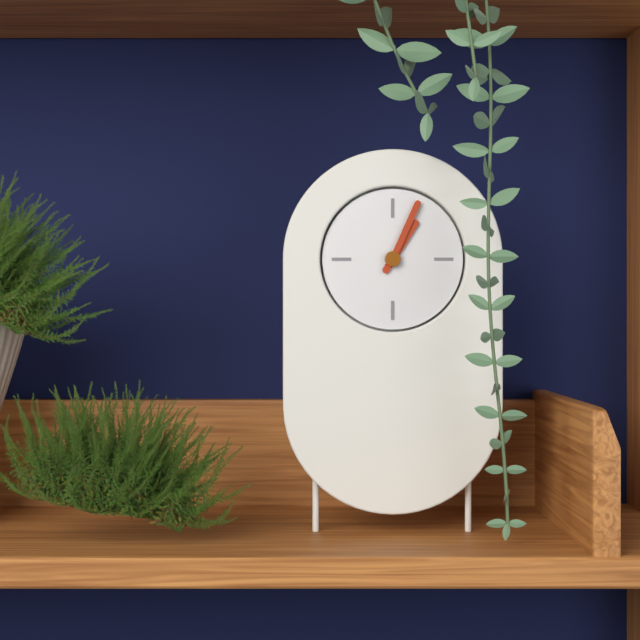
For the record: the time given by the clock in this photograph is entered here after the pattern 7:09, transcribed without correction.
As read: 1:04
